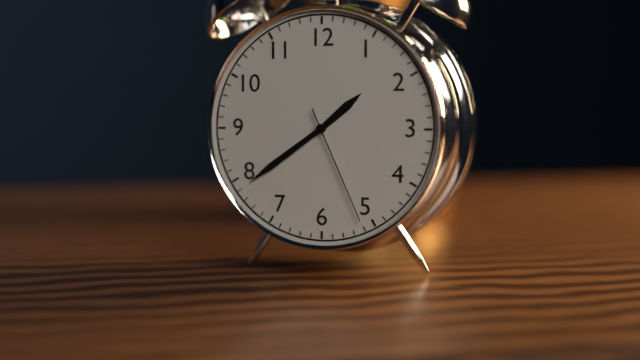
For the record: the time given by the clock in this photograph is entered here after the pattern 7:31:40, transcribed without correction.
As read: 1:39:26
